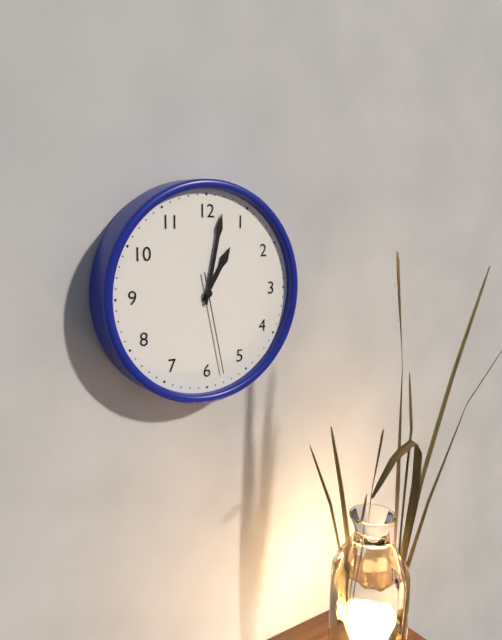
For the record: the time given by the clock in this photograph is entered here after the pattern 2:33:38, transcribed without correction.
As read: 1:02:28
